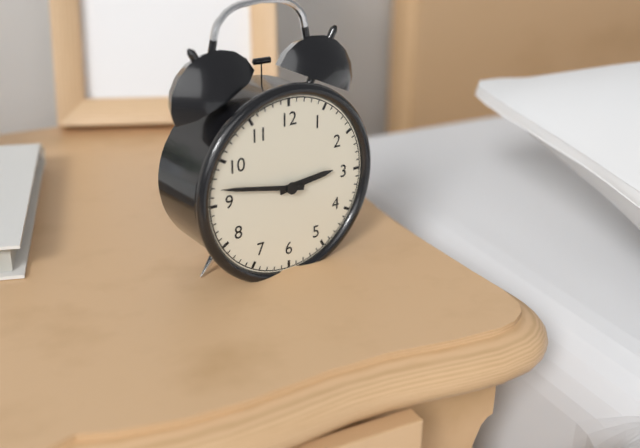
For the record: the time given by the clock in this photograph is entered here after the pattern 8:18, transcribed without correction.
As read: 2:47
